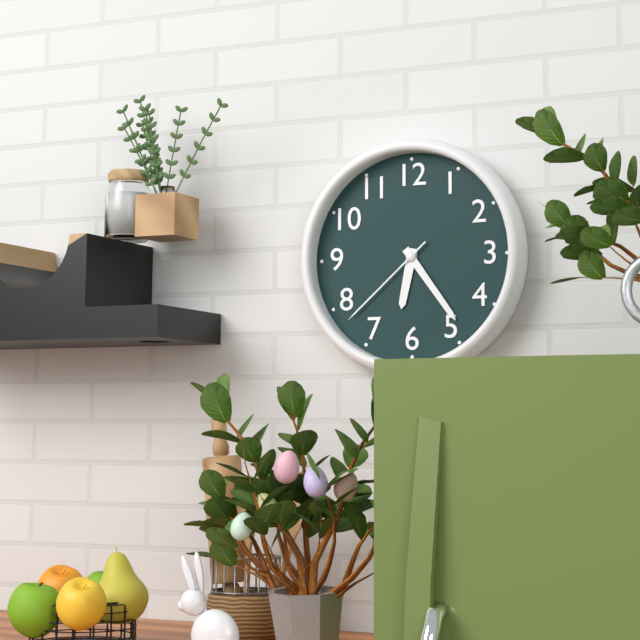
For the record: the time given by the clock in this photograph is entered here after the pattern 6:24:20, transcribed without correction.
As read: 6:24:38
